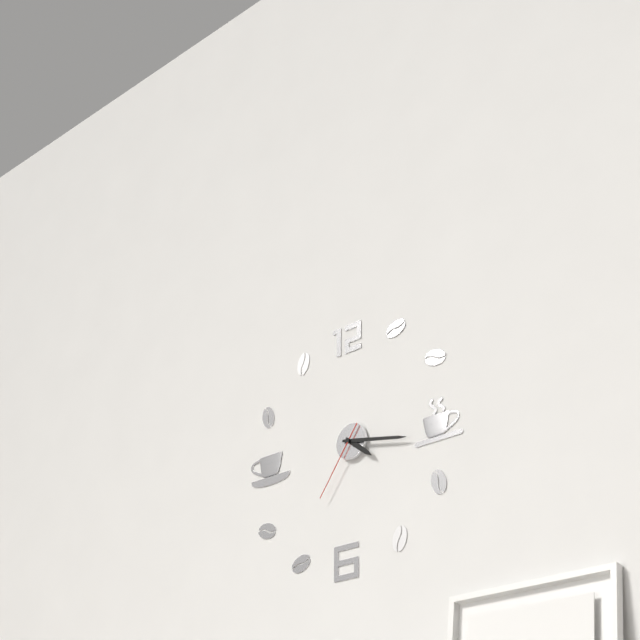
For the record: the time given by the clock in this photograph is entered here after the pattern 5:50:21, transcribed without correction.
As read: 4:17:36
